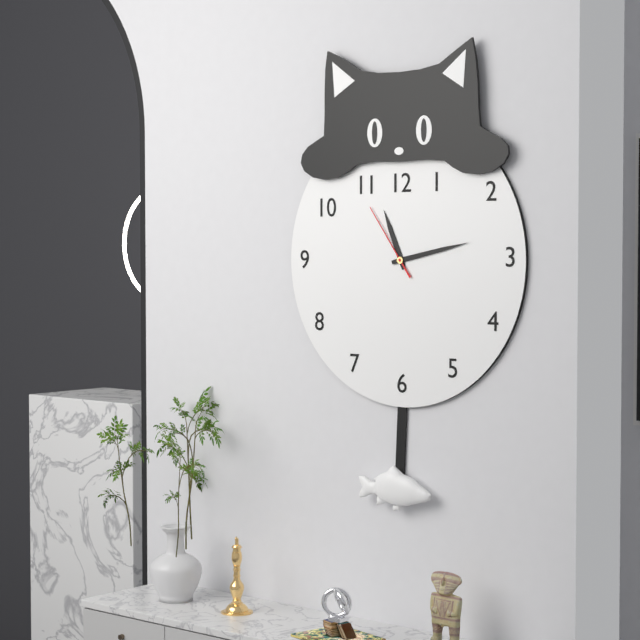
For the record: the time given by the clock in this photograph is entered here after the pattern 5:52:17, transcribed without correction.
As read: 11:13:54
